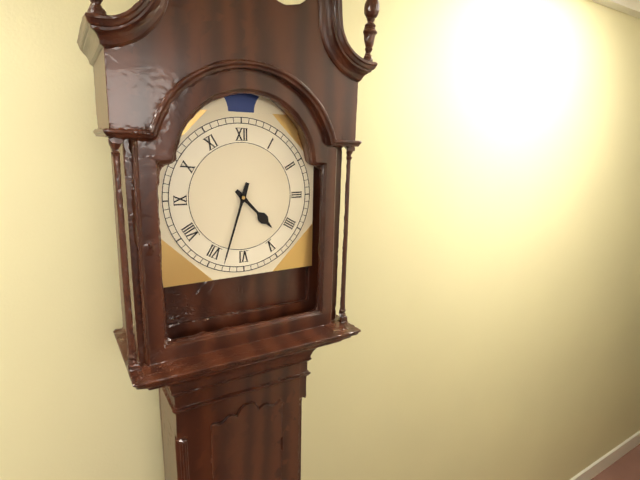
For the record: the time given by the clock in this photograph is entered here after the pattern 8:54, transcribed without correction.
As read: 4:33
